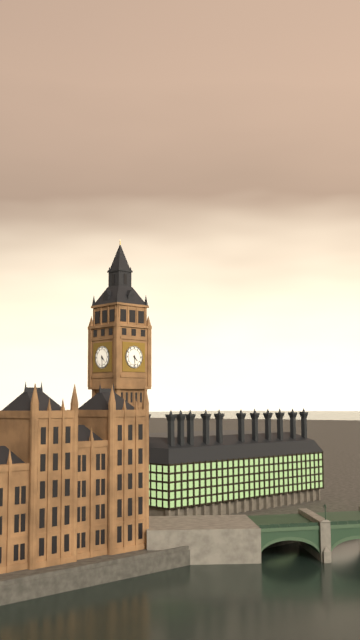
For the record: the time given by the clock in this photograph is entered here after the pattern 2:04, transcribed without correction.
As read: 4:29
